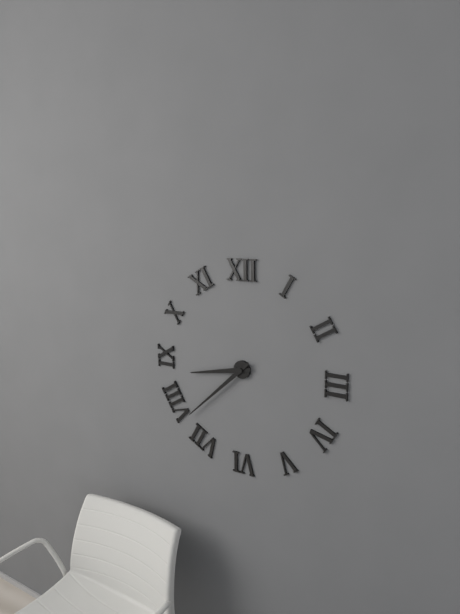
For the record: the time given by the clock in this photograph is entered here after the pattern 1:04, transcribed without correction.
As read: 8:38
